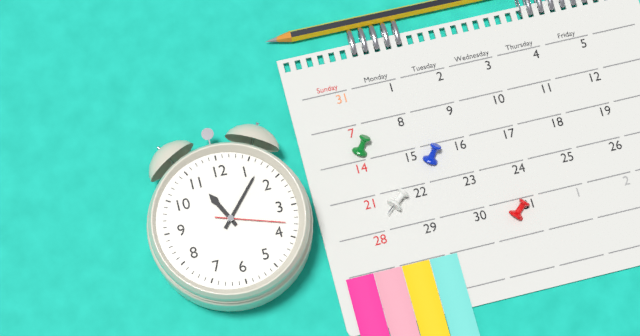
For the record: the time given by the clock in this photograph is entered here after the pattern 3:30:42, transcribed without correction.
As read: 11:07:18
